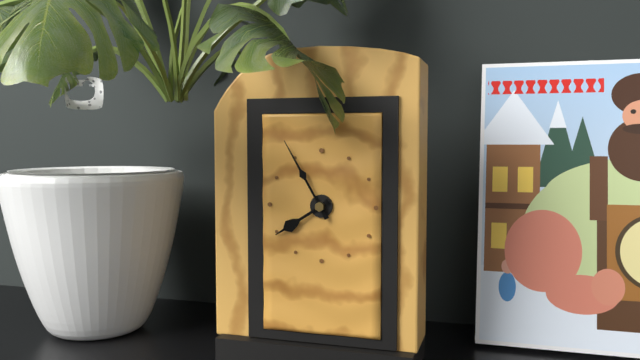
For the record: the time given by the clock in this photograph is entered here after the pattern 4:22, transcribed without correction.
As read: 7:55
